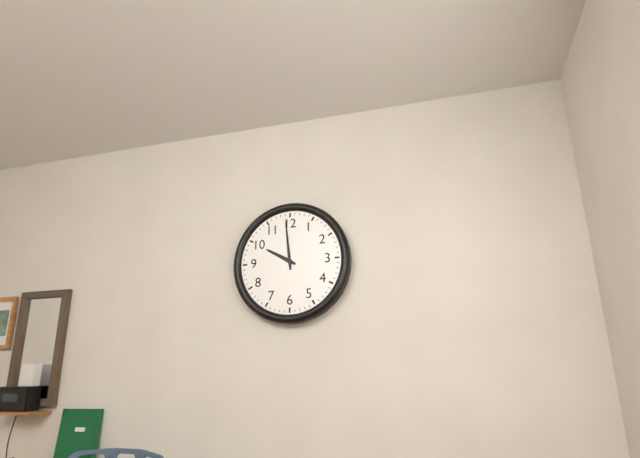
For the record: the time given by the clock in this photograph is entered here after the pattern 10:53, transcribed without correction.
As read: 9:59
